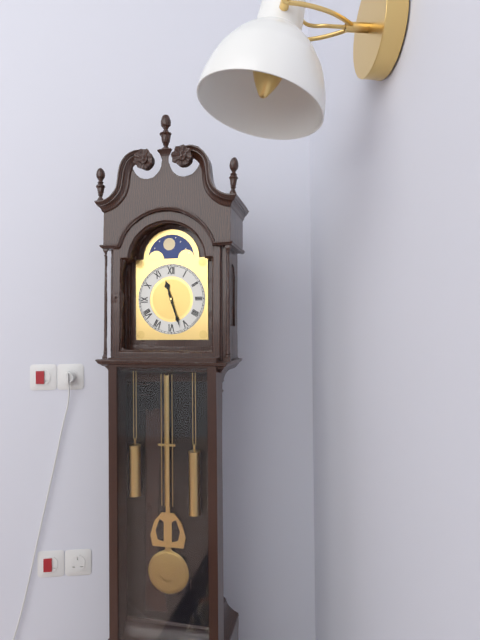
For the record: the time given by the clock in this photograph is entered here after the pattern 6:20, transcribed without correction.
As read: 11:27
